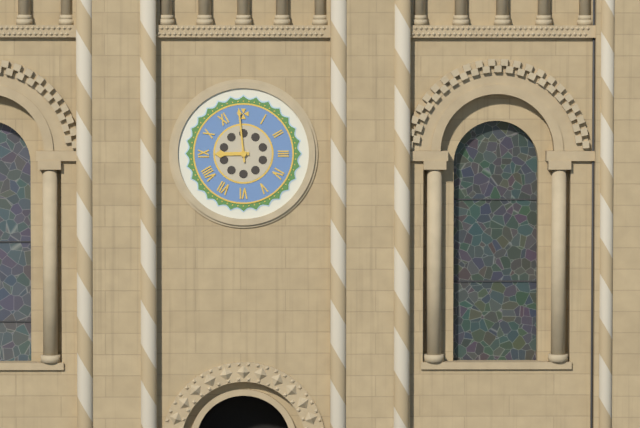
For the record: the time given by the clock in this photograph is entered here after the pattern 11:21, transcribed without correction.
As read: 8:59
